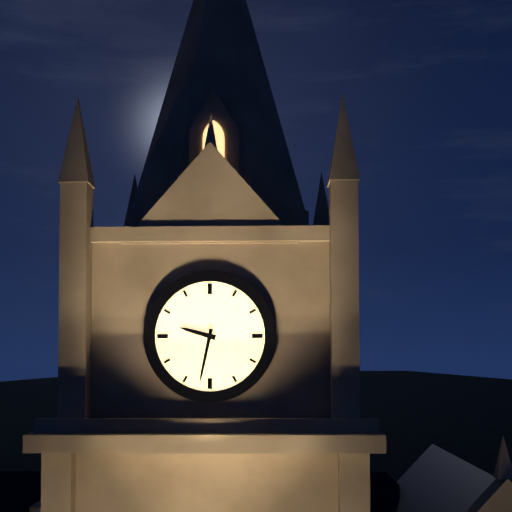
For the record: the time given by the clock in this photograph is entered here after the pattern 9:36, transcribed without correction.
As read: 9:32
